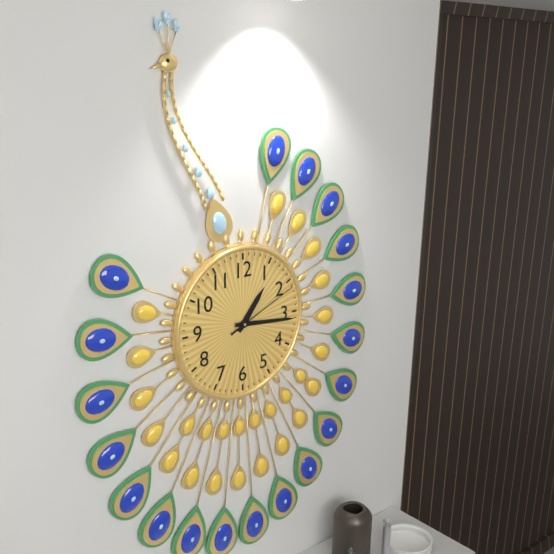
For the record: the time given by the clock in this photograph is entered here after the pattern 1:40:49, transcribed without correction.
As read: 1:16:11
